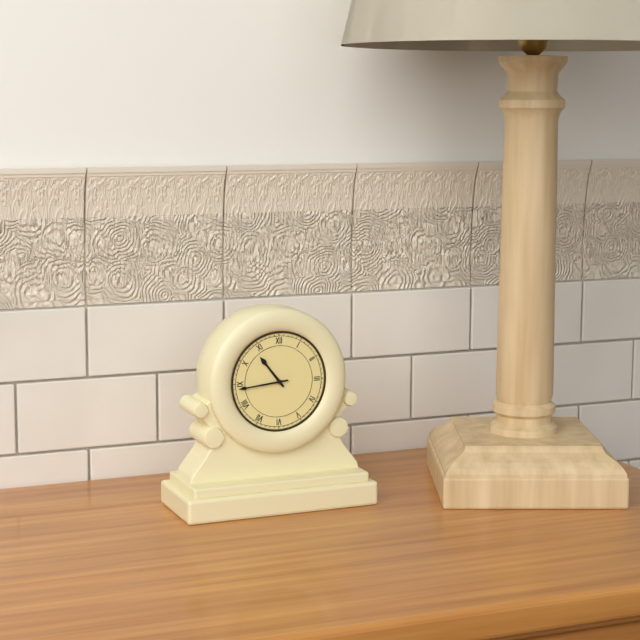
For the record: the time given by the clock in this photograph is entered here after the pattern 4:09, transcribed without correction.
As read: 10:44
